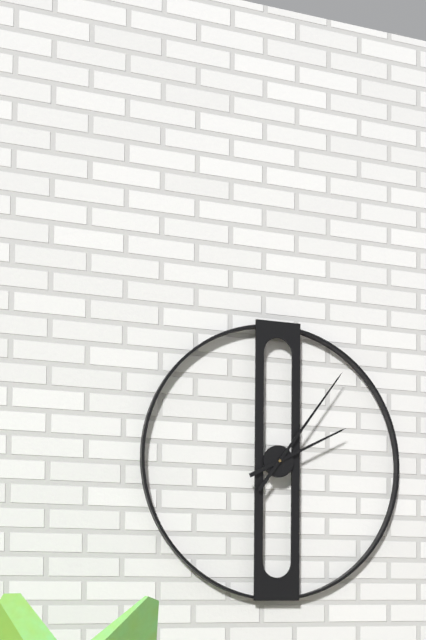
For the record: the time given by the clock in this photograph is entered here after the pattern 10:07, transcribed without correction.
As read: 2:06
